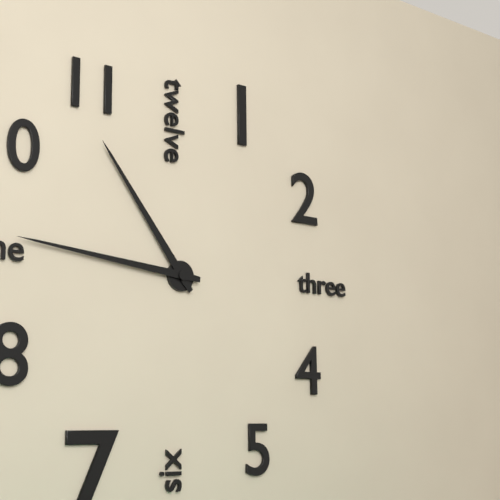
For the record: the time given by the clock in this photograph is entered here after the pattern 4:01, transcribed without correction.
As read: 10:46
